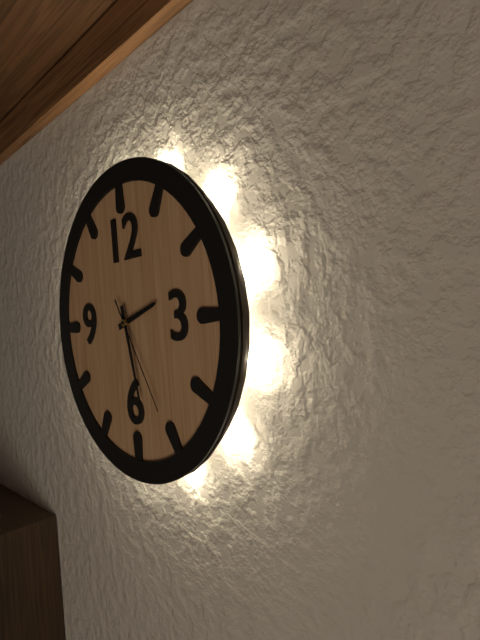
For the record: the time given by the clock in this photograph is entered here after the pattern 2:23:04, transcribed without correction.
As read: 2:28:25
